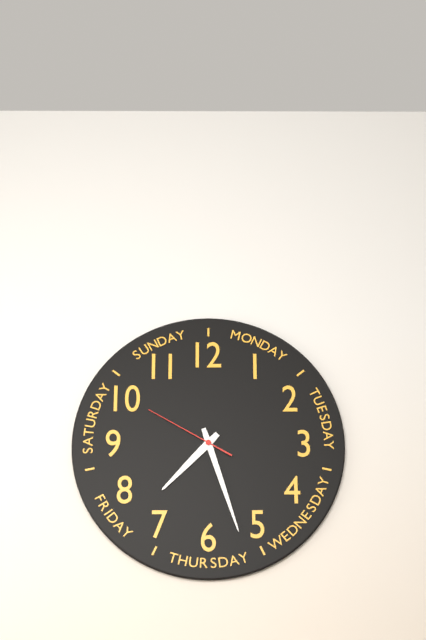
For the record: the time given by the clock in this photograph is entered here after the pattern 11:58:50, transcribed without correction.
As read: 7:27:50
